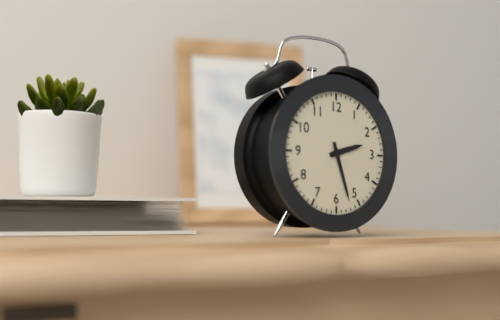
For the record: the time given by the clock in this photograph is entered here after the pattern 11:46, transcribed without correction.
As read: 2:27
